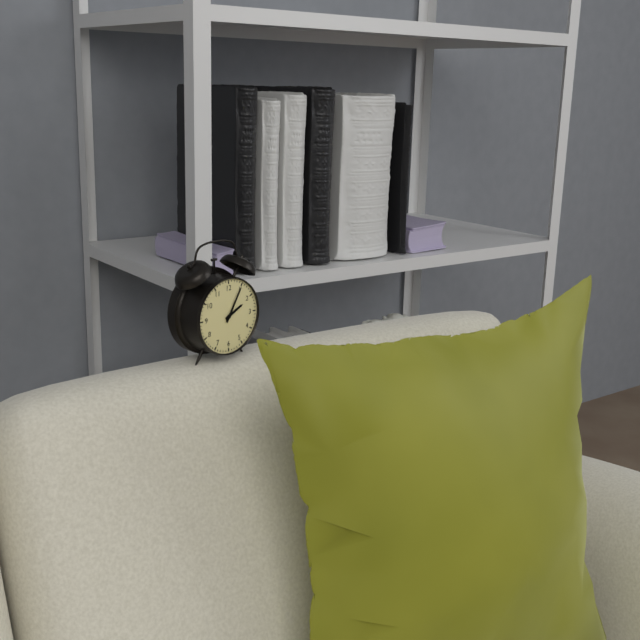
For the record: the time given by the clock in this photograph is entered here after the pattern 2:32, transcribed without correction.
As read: 2:05
